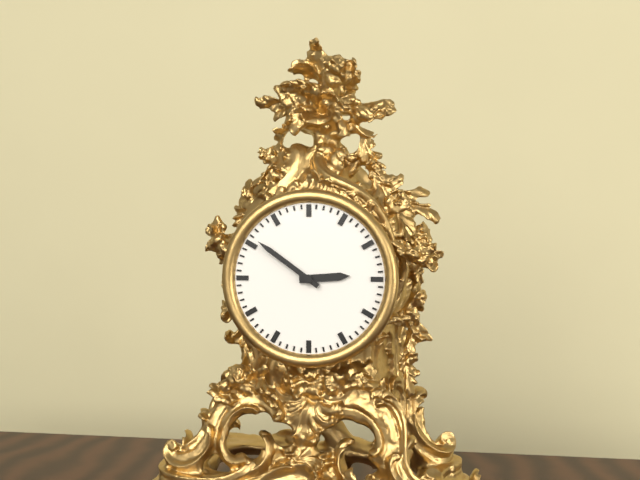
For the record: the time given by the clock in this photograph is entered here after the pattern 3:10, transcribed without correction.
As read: 2:51
